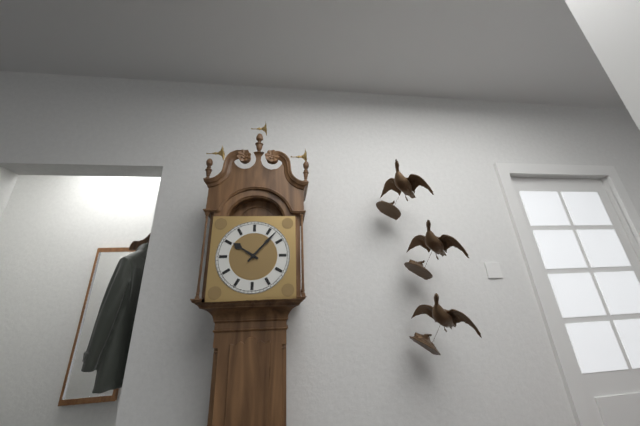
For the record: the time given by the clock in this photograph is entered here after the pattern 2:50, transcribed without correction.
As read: 10:07
